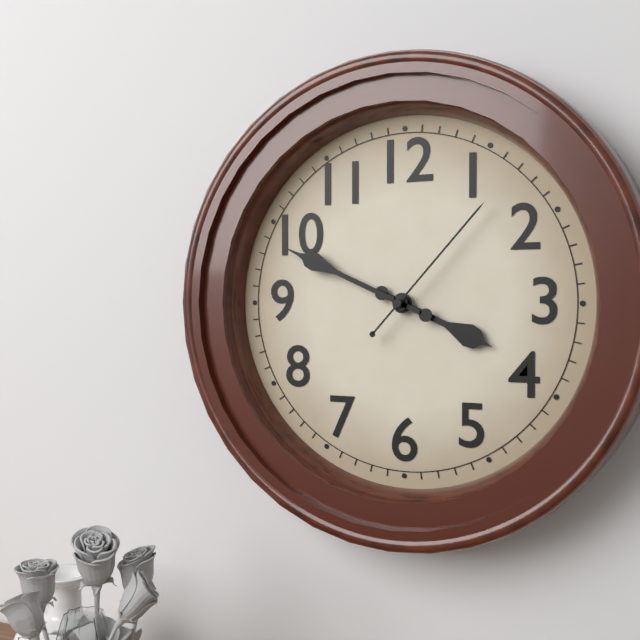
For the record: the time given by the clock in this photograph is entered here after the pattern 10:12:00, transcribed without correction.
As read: 3:49:07
